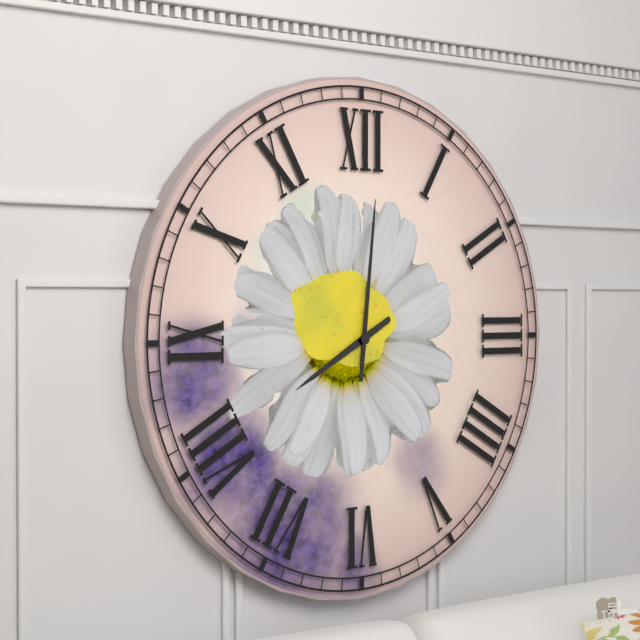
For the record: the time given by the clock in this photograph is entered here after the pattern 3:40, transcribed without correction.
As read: 8:01
